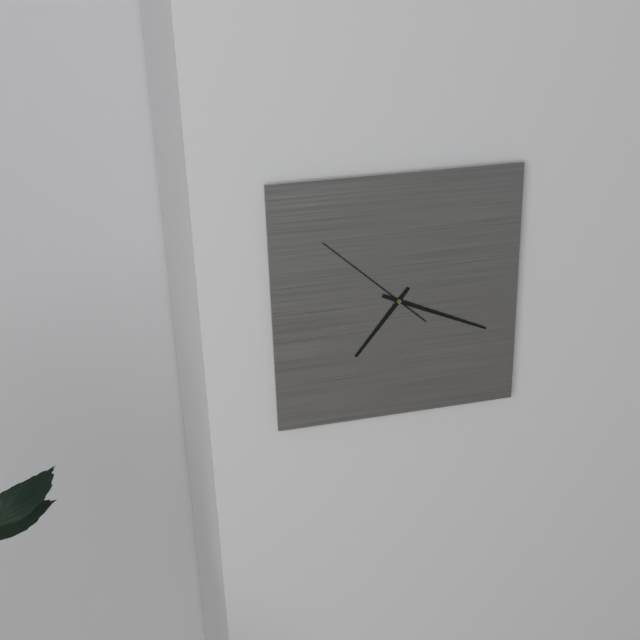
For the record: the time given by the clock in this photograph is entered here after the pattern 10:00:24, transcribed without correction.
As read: 7:19:52
